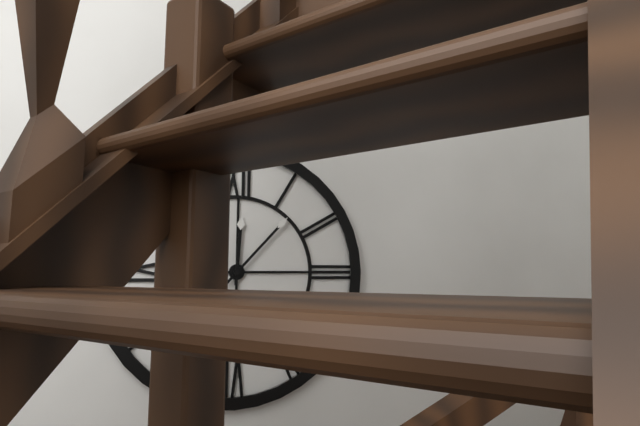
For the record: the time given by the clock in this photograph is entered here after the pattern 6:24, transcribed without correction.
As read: 12:07
